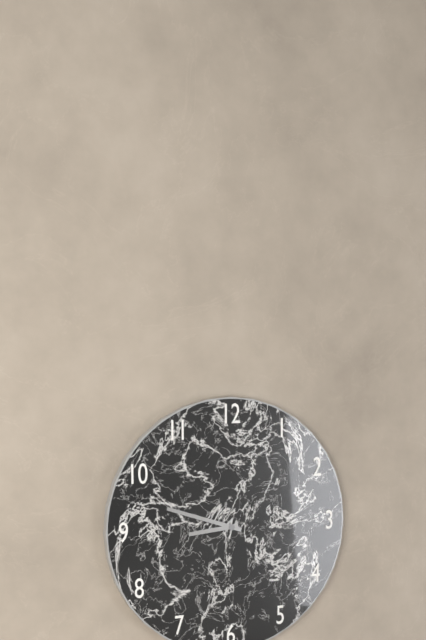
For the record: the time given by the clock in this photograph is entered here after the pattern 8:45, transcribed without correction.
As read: 8:48
